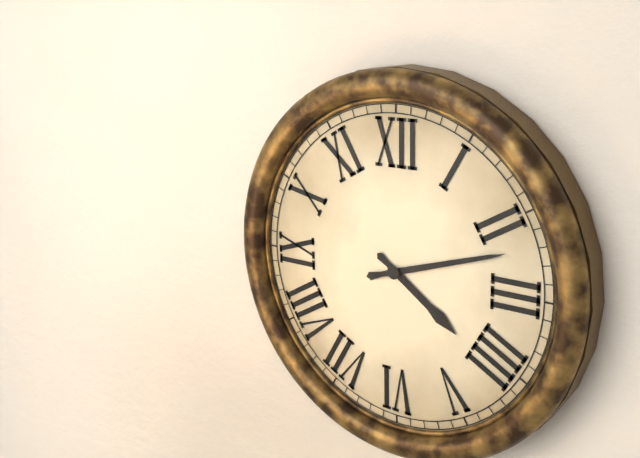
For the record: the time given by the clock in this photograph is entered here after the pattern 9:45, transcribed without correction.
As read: 4:12
